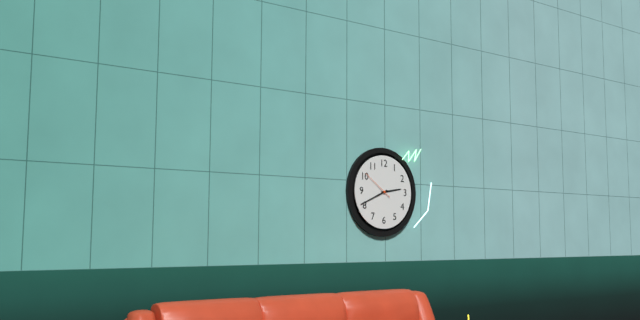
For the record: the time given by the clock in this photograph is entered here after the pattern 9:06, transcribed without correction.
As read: 2:41
